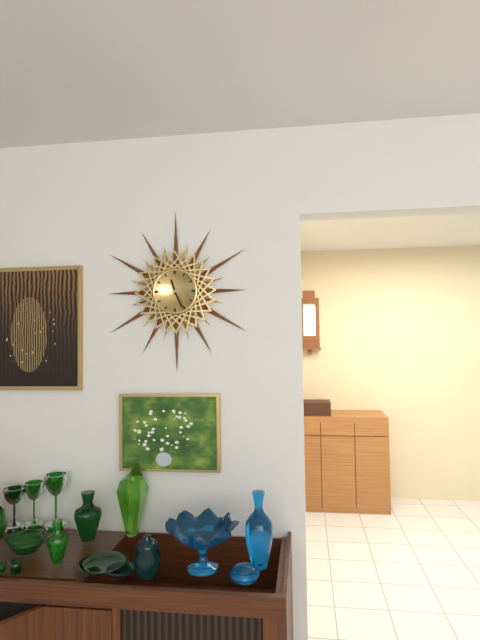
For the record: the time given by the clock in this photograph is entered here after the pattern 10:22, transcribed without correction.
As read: 11:26
